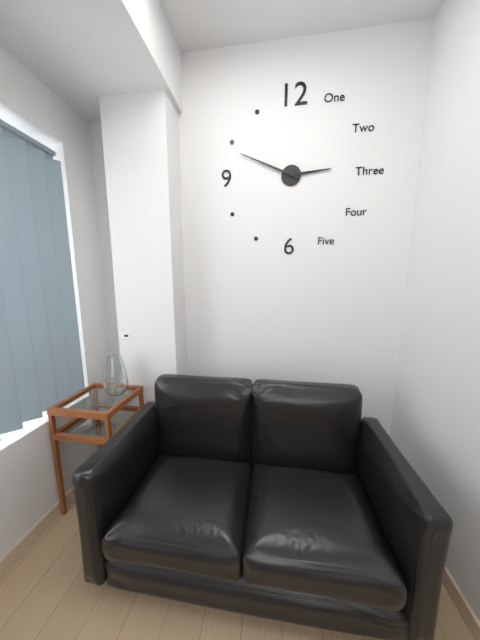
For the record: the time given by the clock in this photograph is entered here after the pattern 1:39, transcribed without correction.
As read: 2:49
